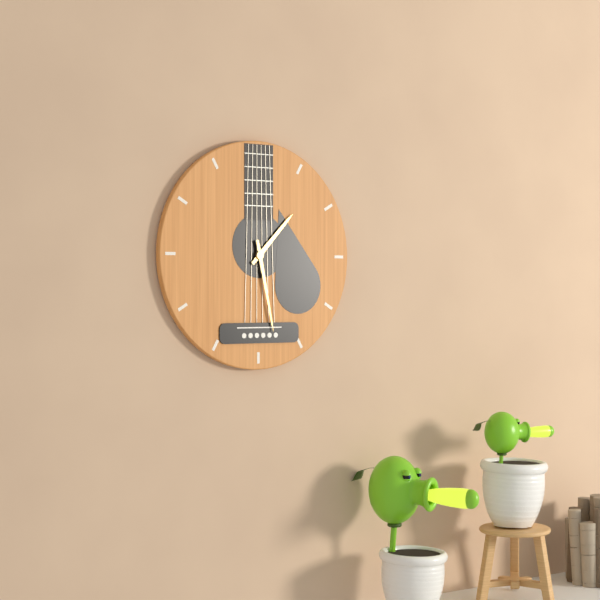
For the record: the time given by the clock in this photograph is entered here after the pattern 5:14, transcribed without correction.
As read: 1:28
